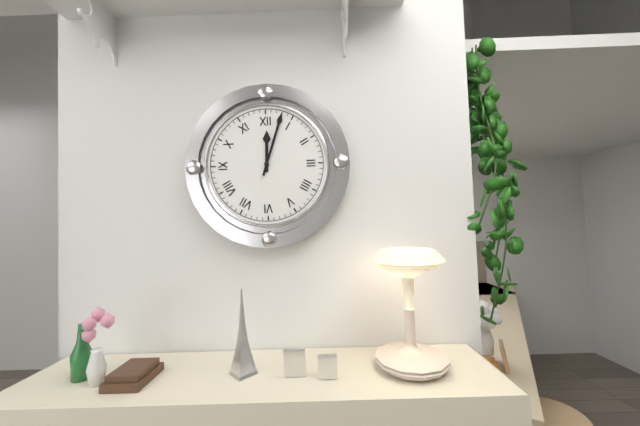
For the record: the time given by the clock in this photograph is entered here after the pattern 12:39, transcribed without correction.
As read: 12:03
